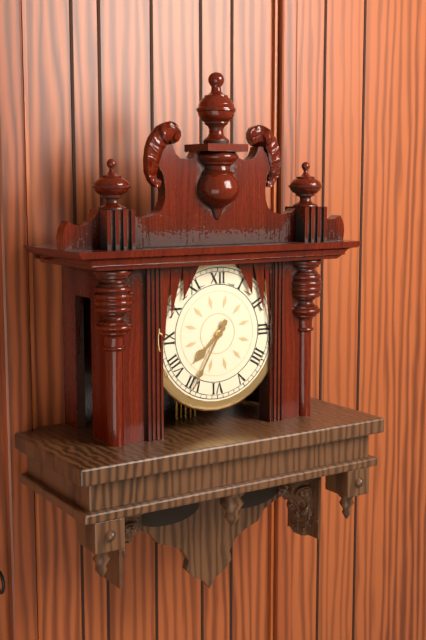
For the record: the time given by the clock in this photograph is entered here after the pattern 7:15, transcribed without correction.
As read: 7:35
